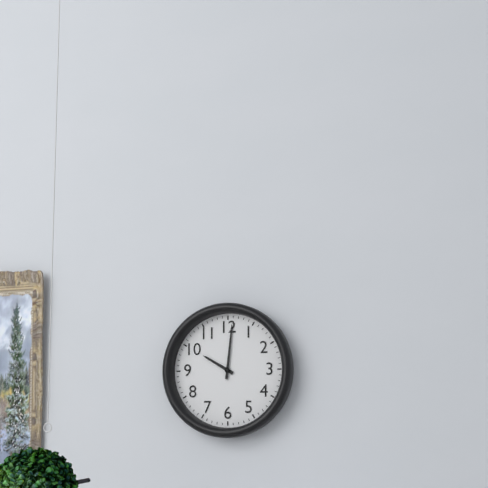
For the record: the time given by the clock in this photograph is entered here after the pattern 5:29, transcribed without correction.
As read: 10:01
